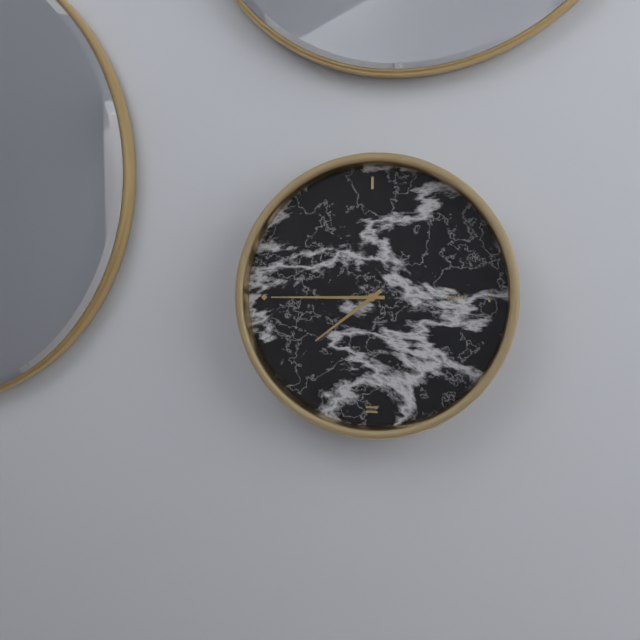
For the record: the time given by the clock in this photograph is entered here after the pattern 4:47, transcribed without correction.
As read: 7:45
